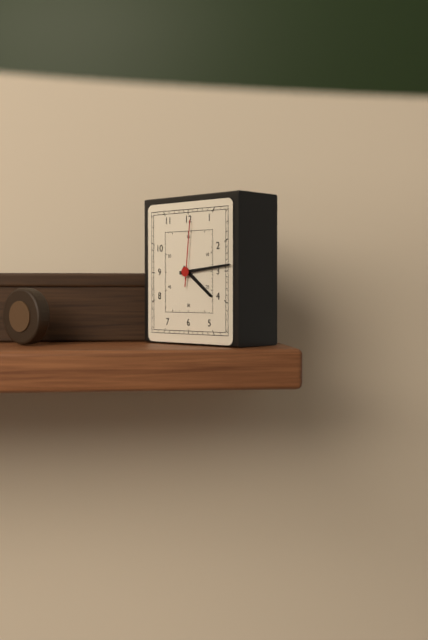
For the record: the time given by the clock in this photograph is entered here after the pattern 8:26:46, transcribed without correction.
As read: 4:14:01
